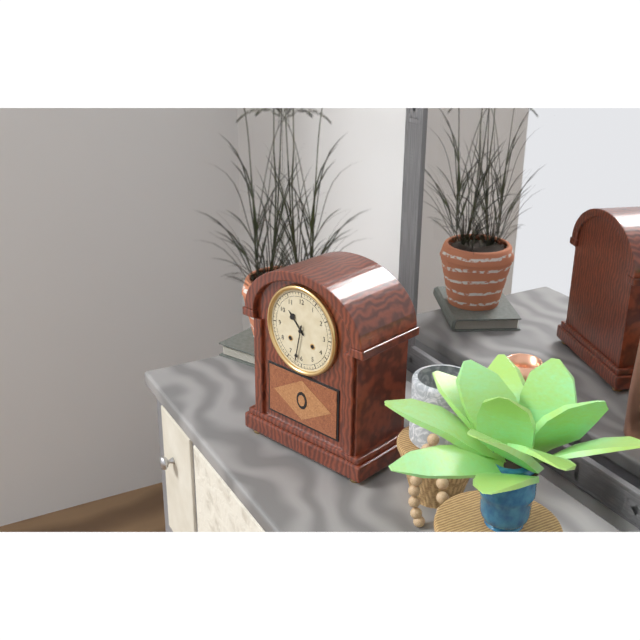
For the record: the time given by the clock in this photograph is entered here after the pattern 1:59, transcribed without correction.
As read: 10:32
